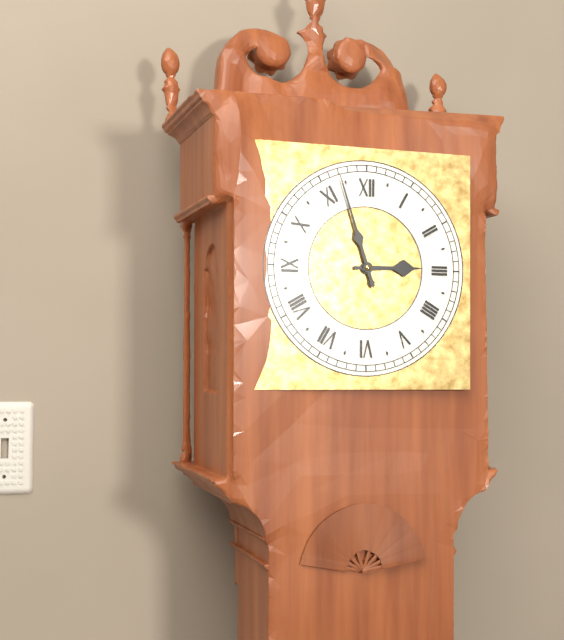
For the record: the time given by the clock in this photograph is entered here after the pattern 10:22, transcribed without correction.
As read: 2:57
